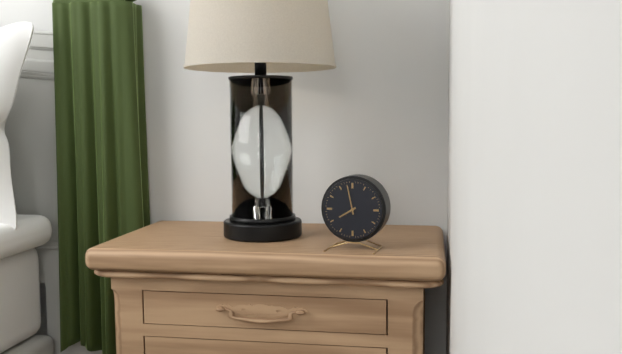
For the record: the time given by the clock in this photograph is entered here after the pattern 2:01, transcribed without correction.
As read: 7:58
